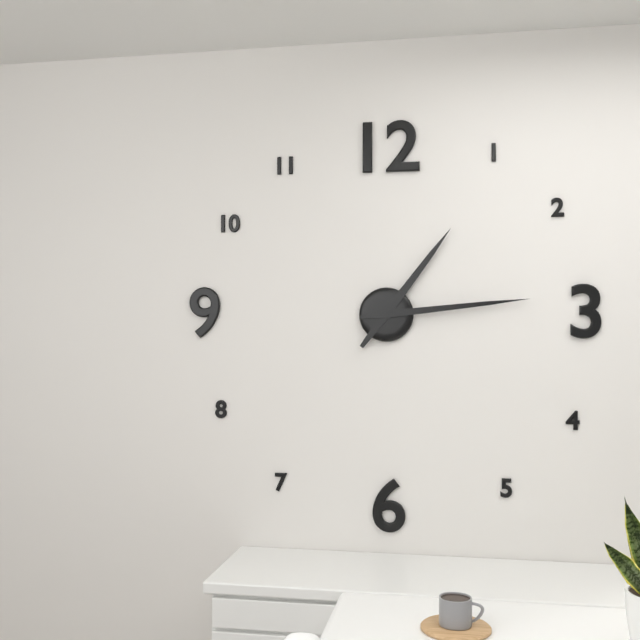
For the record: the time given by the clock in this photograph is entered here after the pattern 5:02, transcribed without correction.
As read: 1:14
